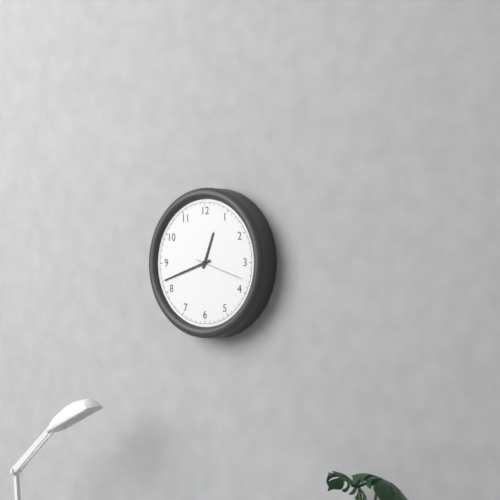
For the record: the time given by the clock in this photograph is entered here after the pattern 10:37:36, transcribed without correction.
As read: 12:42:18
